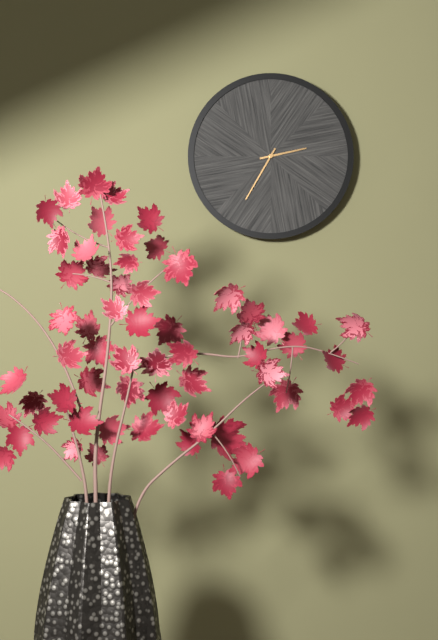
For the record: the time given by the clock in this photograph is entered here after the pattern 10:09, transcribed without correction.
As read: 2:35
